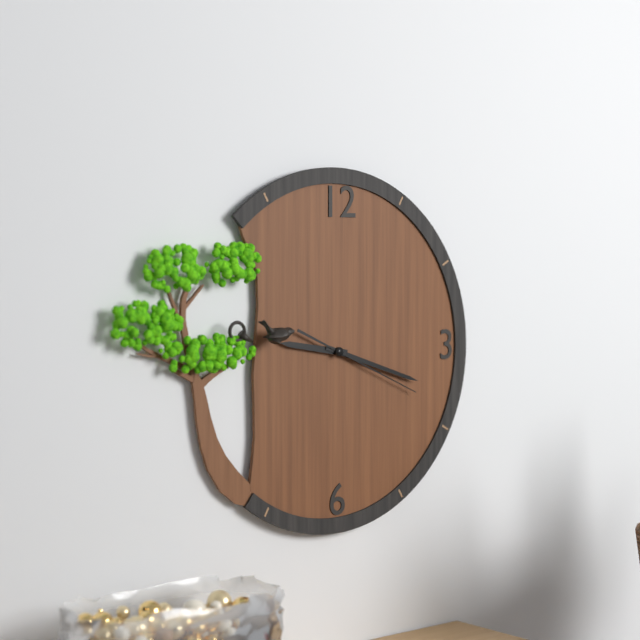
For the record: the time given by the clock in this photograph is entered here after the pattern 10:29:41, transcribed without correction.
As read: 9:18:19
